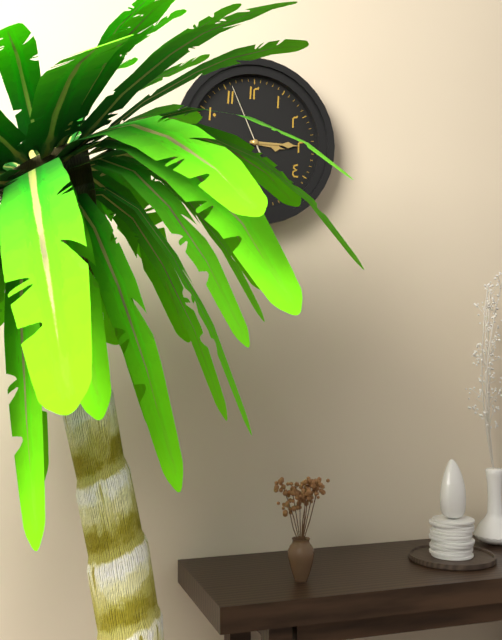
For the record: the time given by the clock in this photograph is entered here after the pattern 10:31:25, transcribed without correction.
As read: 3:15:56
